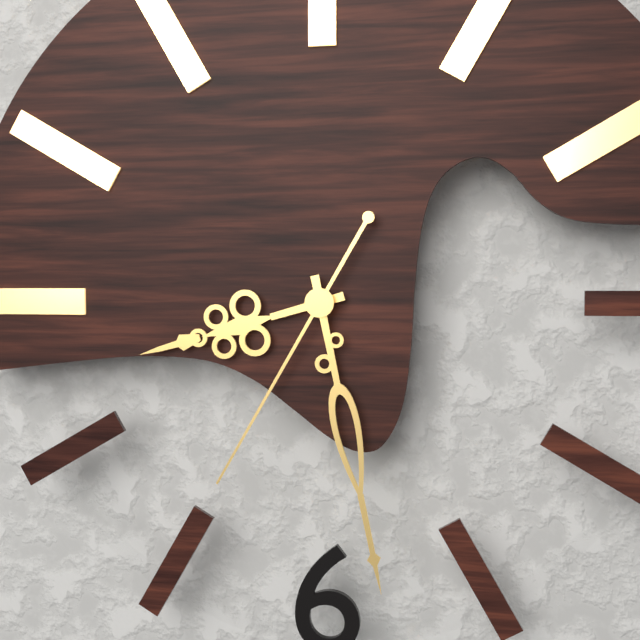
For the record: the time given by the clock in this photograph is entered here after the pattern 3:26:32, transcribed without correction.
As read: 8:28:35
